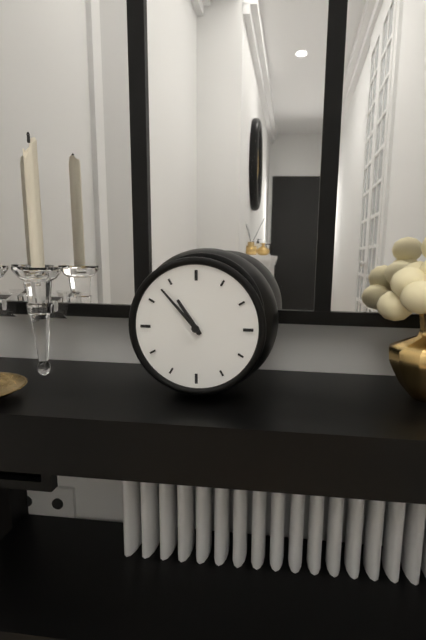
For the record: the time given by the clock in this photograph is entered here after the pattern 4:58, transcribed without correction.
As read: 10:53
